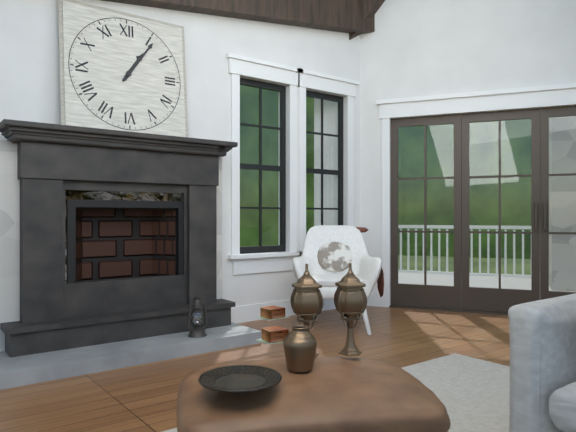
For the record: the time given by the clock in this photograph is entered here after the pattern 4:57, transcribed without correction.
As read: 1:06
